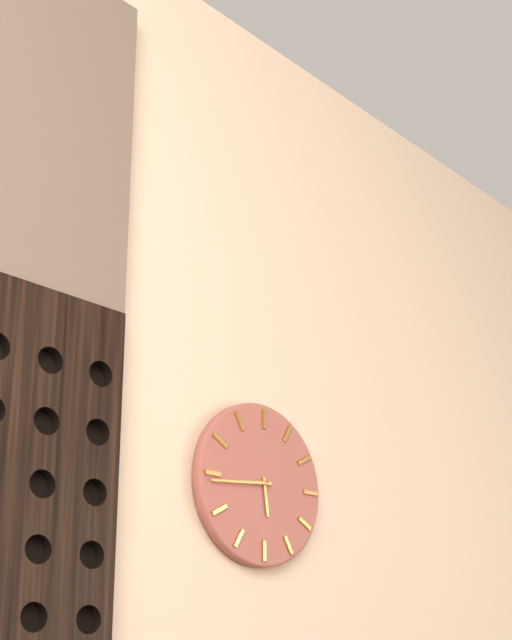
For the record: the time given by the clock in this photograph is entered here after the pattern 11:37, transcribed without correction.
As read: 5:44
